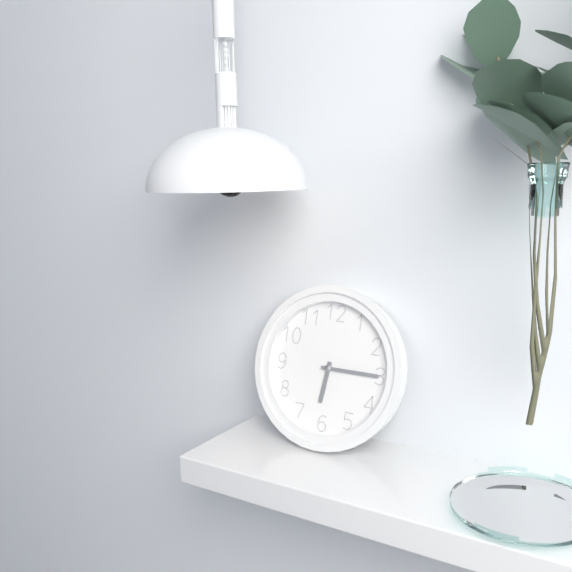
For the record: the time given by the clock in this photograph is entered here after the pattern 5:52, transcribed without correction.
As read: 6:15
